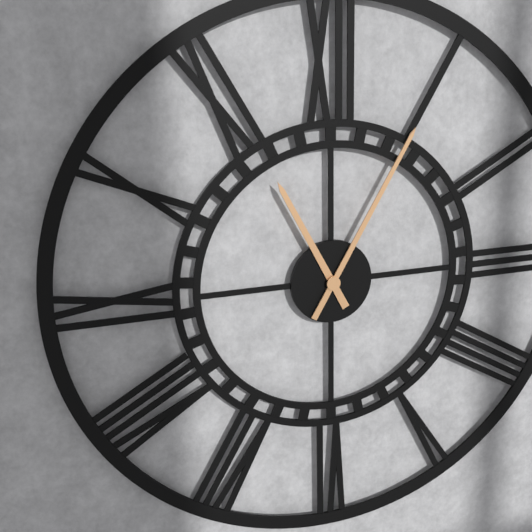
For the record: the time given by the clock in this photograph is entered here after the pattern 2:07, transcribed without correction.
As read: 11:05
